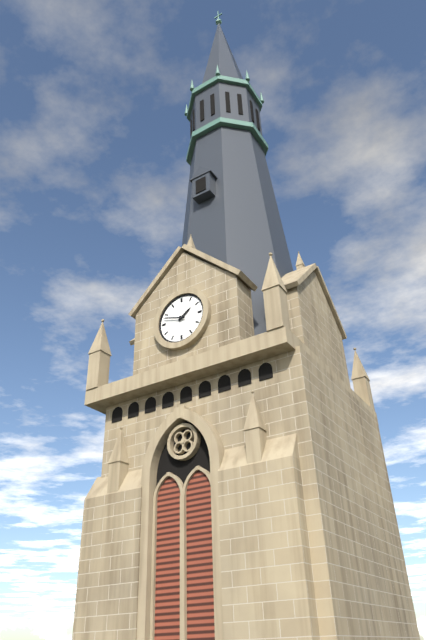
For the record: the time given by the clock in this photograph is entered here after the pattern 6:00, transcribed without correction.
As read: 1:48
